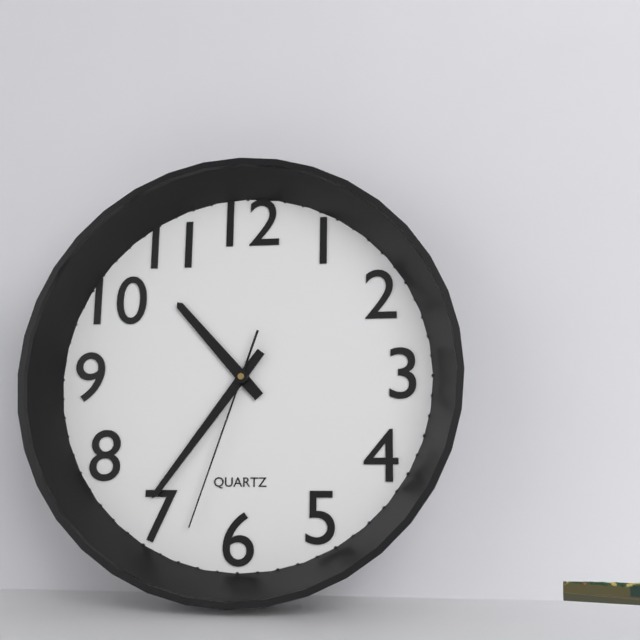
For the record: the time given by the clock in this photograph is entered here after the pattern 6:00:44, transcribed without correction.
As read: 10:36:33
